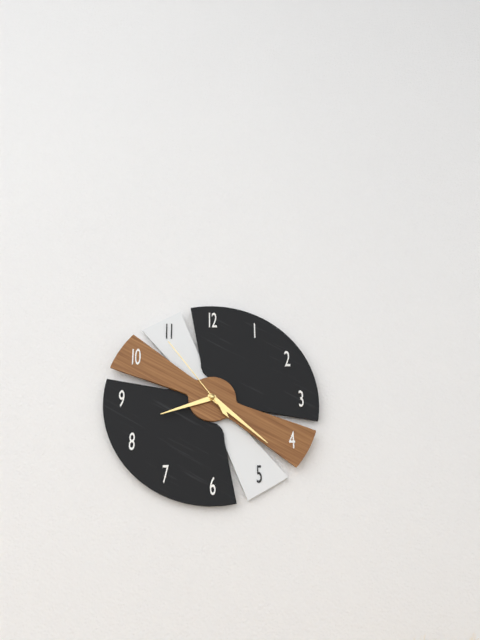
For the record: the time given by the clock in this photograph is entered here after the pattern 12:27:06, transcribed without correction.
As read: 8:22:54
